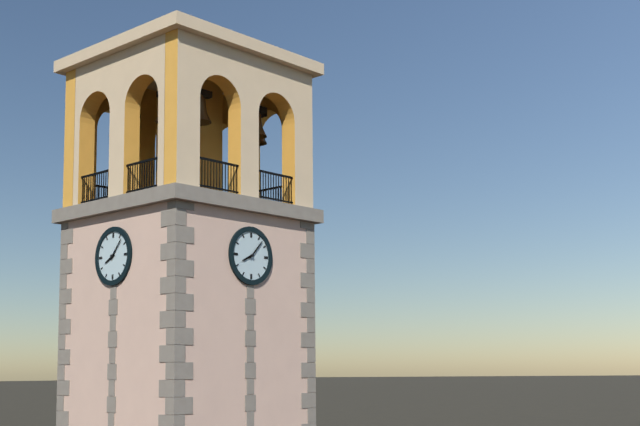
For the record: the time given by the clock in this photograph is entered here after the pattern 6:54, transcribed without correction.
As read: 8:07
